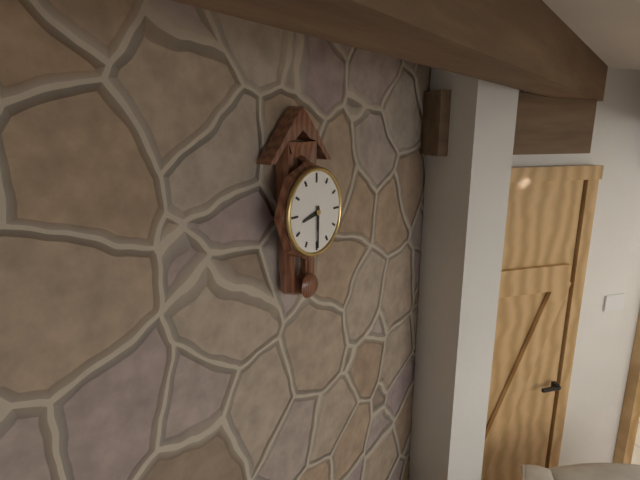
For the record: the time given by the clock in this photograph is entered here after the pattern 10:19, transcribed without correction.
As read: 8:30
